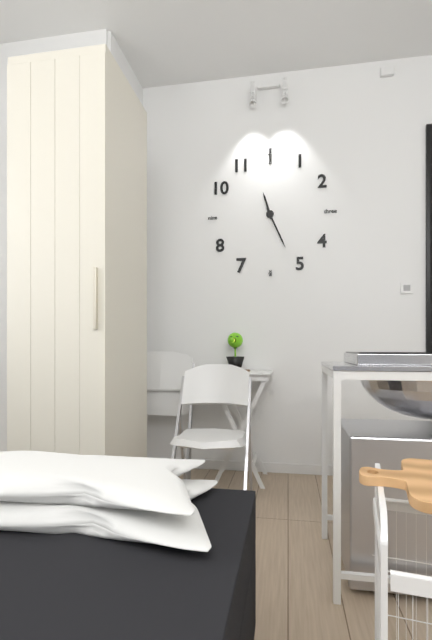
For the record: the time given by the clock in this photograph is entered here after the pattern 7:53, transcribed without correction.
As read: 11:26
